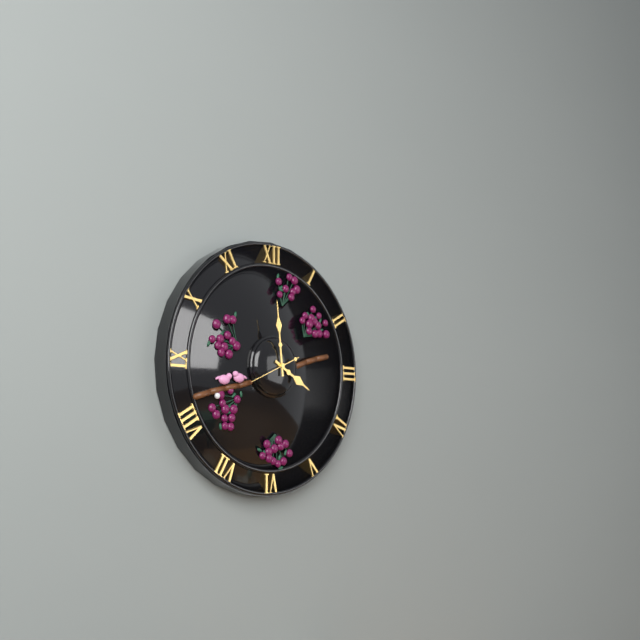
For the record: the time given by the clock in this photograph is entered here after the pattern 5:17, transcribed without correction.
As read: 3:59
